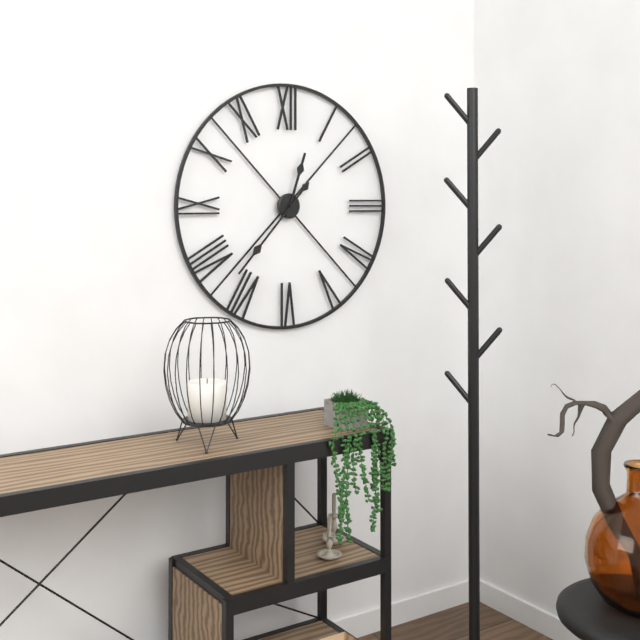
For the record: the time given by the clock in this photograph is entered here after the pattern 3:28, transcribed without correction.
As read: 12:37
